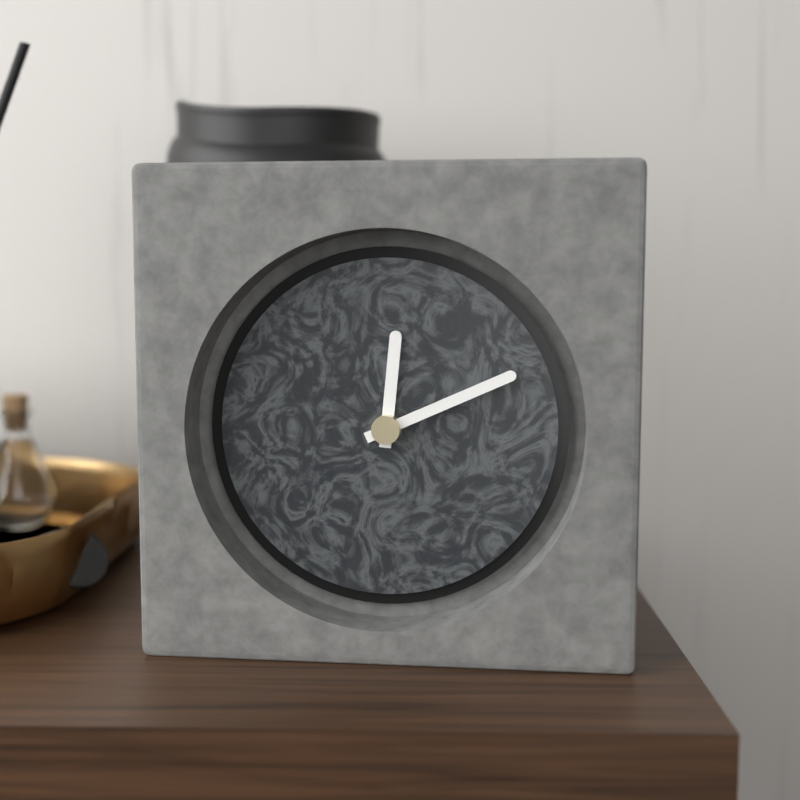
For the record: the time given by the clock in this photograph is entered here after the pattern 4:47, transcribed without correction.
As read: 12:11
